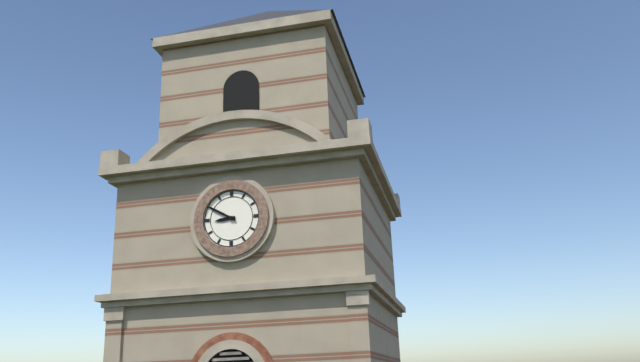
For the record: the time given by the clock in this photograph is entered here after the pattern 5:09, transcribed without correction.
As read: 8:50
